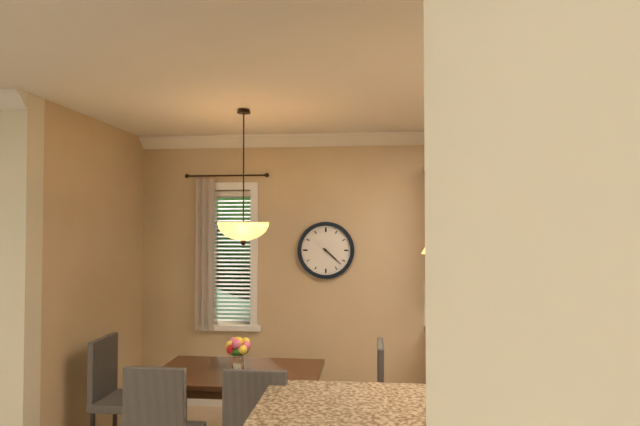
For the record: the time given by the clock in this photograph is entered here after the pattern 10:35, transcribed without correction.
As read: 4:22
